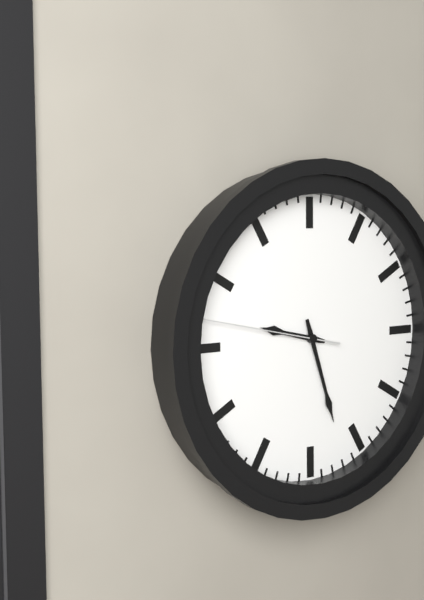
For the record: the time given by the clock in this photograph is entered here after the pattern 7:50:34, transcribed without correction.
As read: 9:27:47
